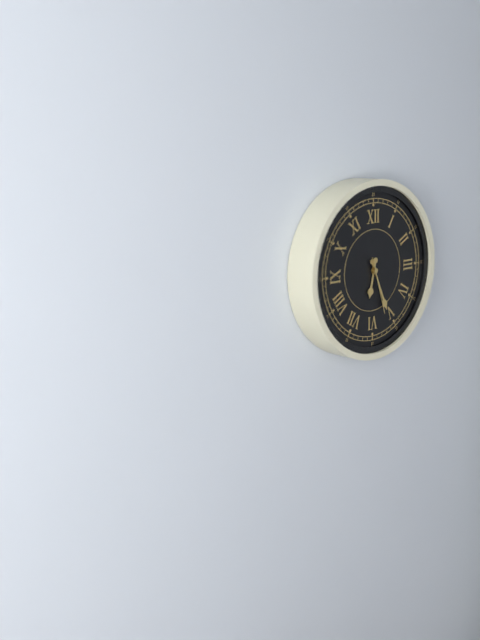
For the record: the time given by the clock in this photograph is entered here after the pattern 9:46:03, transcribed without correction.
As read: 6:26:27
